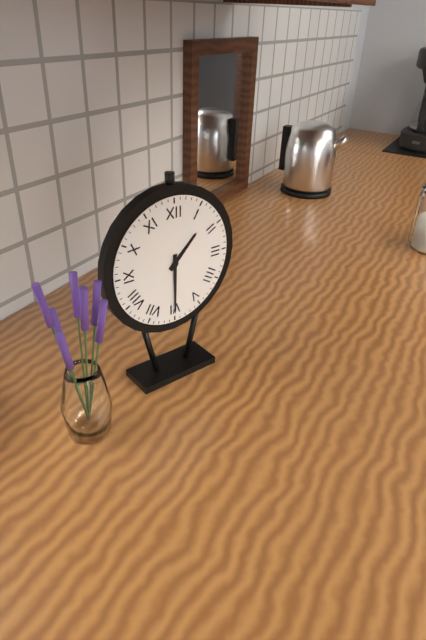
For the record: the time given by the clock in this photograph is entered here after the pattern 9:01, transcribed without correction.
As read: 1:30
